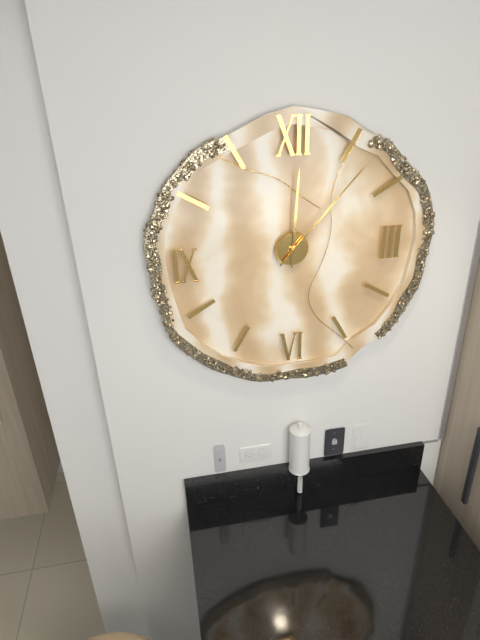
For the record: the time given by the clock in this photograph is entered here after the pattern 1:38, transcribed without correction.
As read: 12:07
